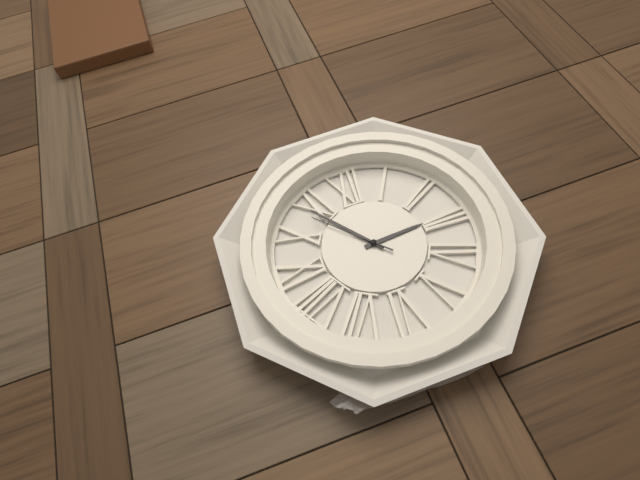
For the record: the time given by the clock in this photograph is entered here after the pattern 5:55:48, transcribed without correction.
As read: 2:54:53
